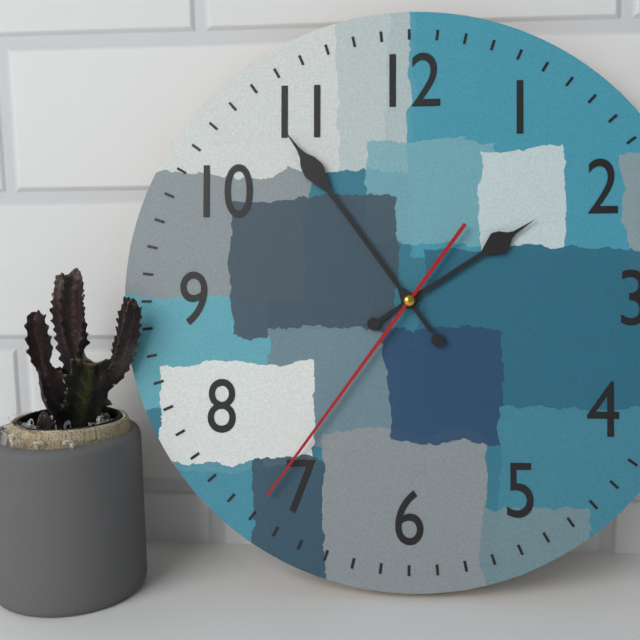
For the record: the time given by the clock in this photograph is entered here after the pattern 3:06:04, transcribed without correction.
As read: 1:54:36
